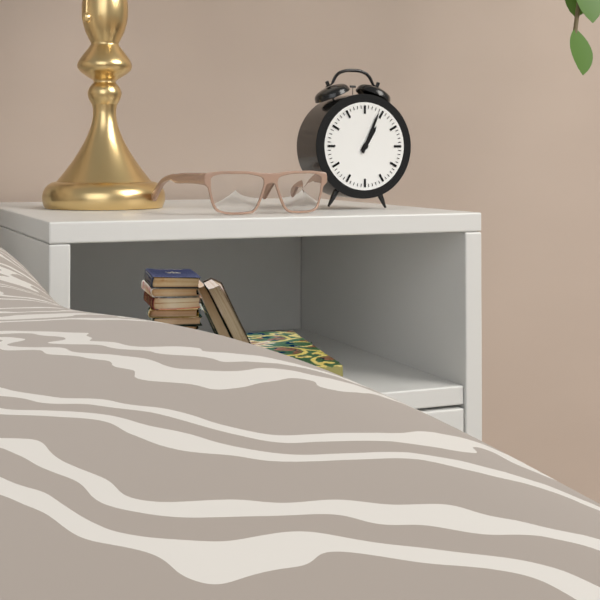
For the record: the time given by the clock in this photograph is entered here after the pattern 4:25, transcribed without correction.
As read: 1:04
